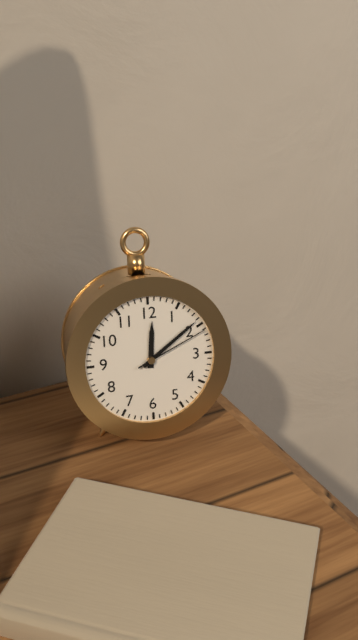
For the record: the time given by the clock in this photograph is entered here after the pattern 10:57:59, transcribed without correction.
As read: 12:09:11
